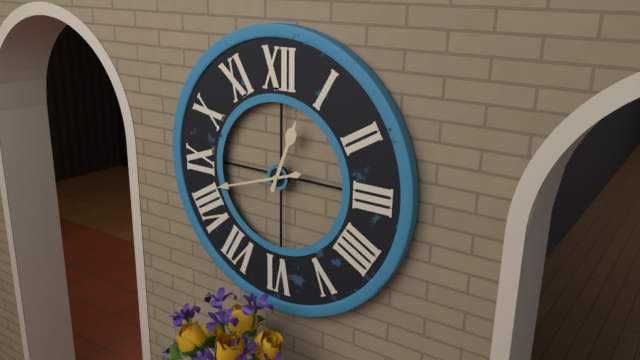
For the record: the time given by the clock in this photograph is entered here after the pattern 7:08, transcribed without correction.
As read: 12:42
